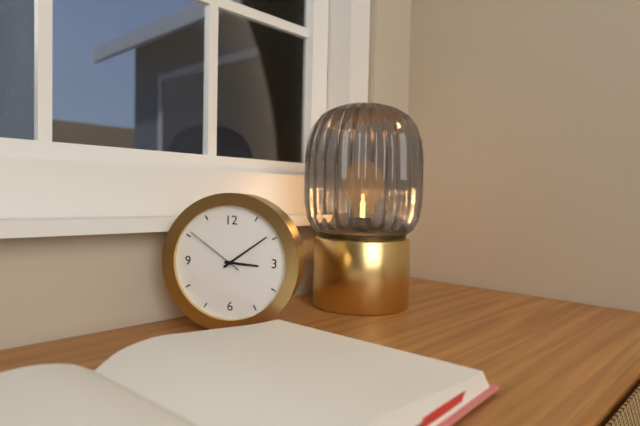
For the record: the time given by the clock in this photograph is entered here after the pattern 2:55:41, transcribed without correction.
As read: 3:09:51
